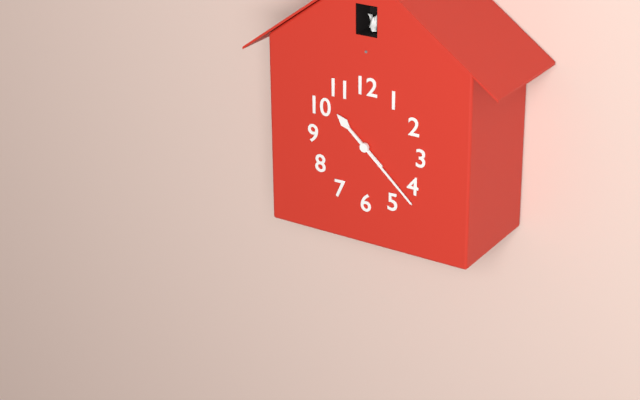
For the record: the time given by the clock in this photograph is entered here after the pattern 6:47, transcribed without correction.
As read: 10:22
